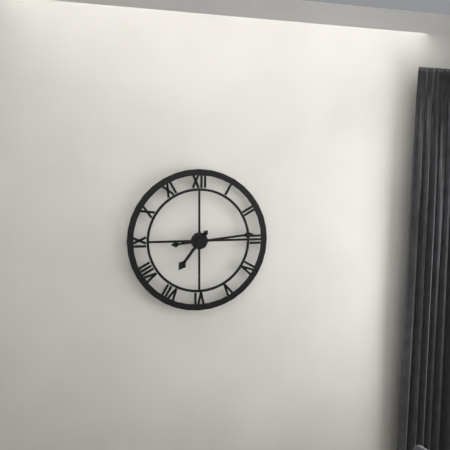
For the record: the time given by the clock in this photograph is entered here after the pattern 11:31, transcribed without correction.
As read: 7:14
